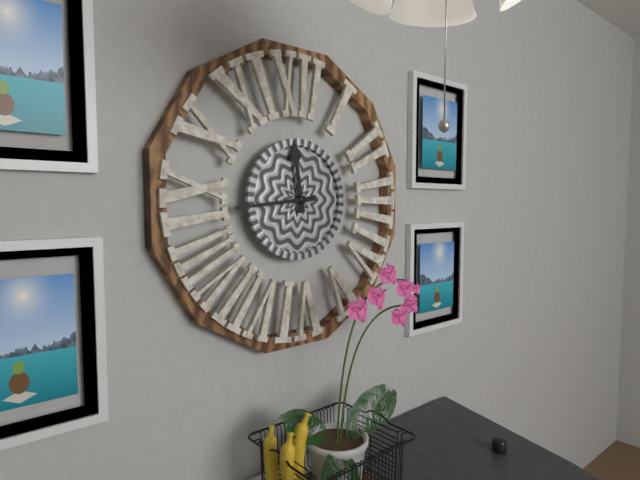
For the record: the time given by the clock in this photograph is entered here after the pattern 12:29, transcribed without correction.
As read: 11:44
